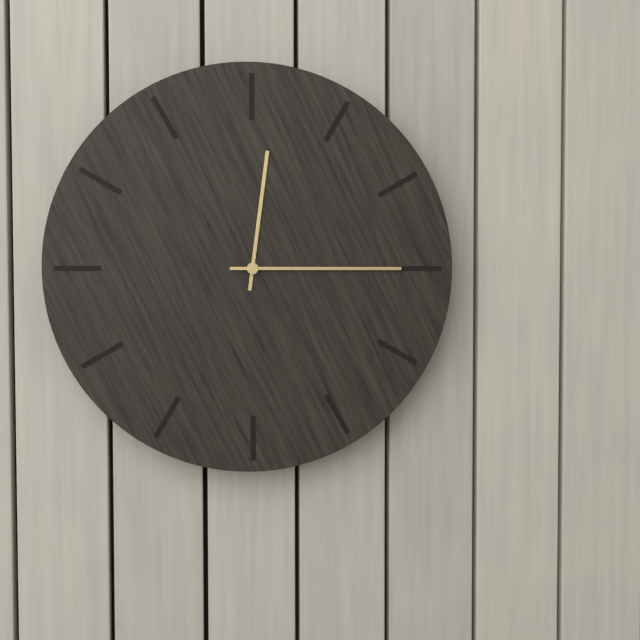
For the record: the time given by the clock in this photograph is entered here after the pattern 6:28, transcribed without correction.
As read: 12:15
